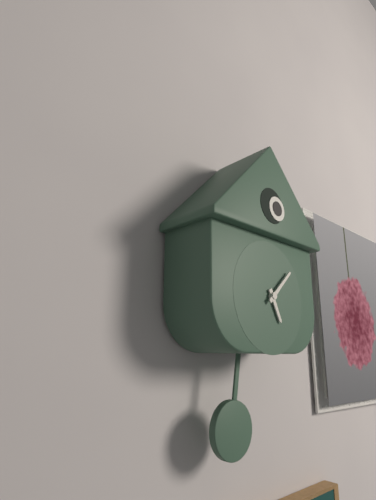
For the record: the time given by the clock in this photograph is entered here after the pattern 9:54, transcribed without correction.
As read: 5:08
